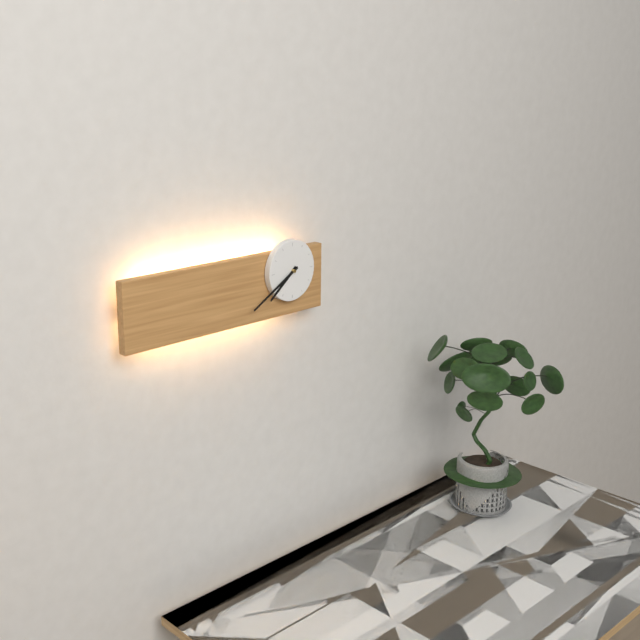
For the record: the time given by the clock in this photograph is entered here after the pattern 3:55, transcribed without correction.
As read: 7:40
